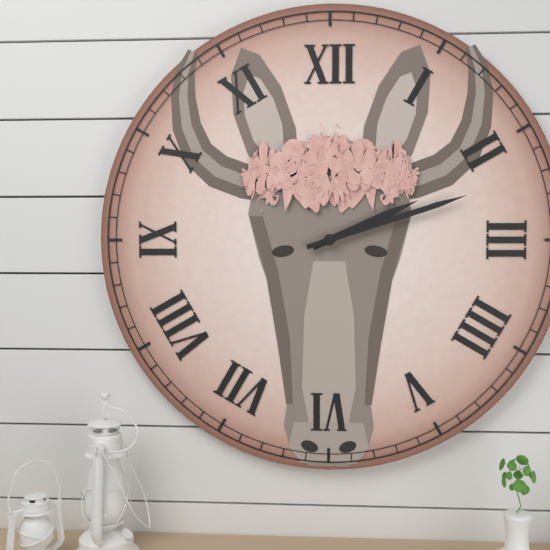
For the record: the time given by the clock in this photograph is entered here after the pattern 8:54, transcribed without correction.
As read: 2:12
